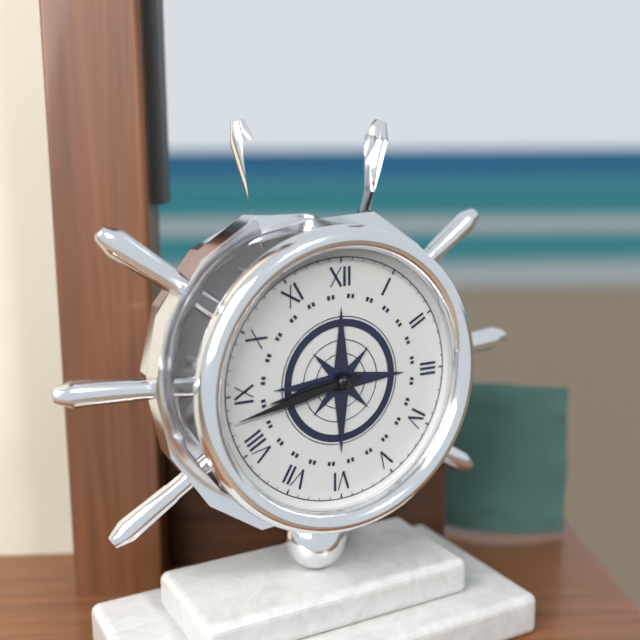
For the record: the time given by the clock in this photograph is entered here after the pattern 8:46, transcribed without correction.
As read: 8:43
